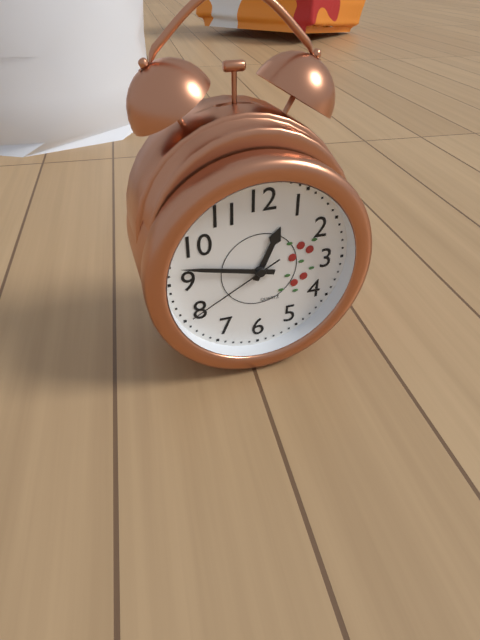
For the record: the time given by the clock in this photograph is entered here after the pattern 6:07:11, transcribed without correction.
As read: 12:47:40
